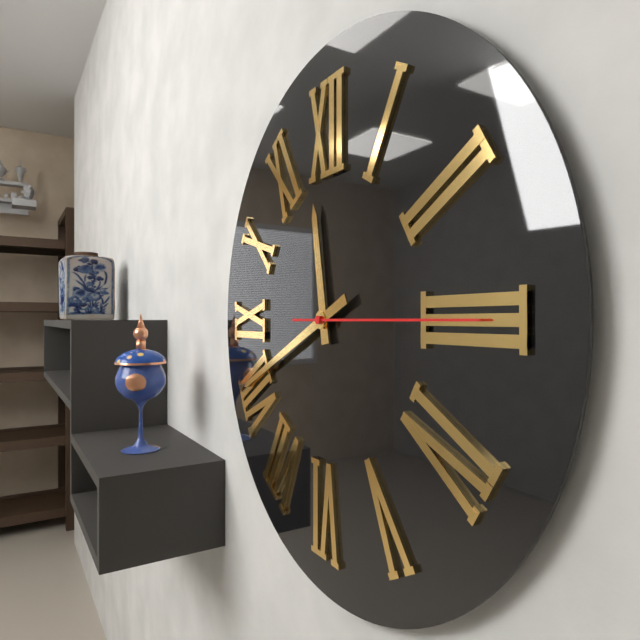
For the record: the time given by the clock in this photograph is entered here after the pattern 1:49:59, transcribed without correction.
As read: 11:41:15
